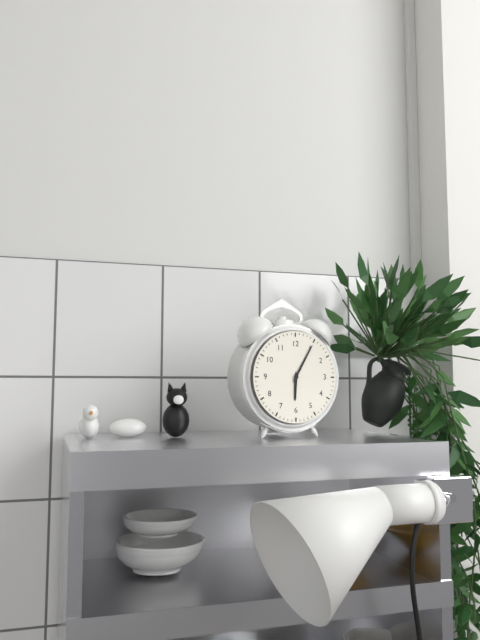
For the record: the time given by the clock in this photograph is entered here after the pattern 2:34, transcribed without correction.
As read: 6:05
